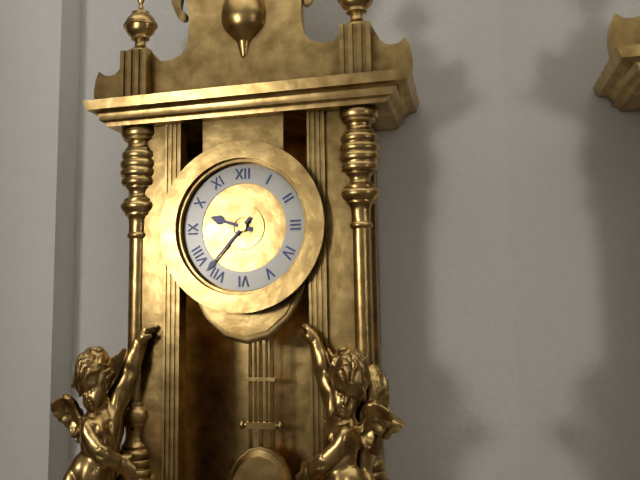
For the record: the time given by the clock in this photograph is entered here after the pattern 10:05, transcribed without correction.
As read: 9:37
